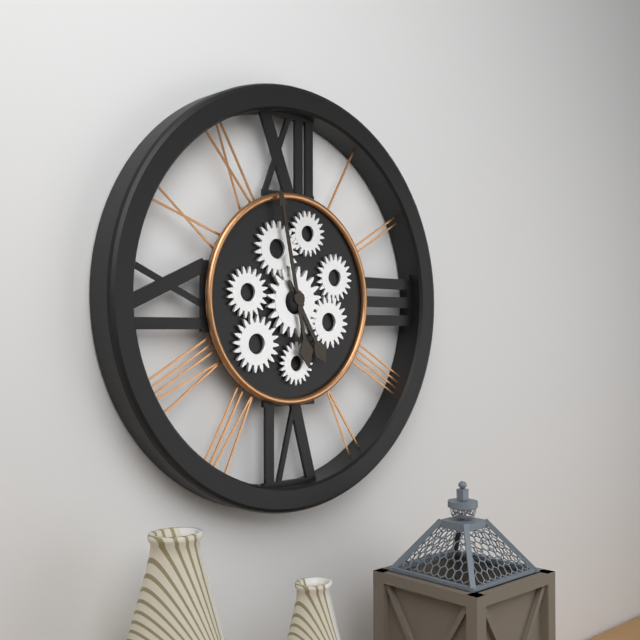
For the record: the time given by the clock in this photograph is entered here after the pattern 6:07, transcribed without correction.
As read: 4:58
